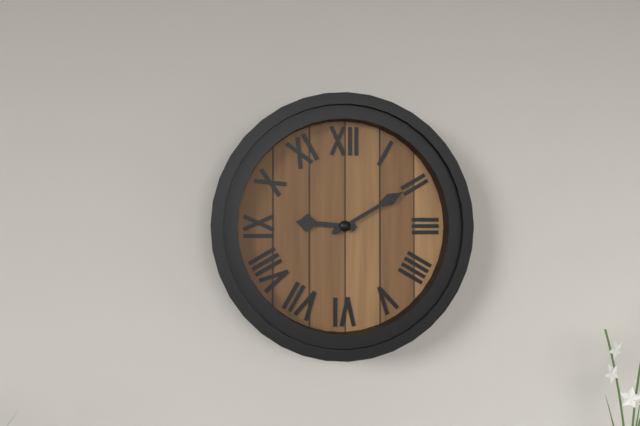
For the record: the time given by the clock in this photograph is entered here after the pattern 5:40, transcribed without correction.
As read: 9:10
